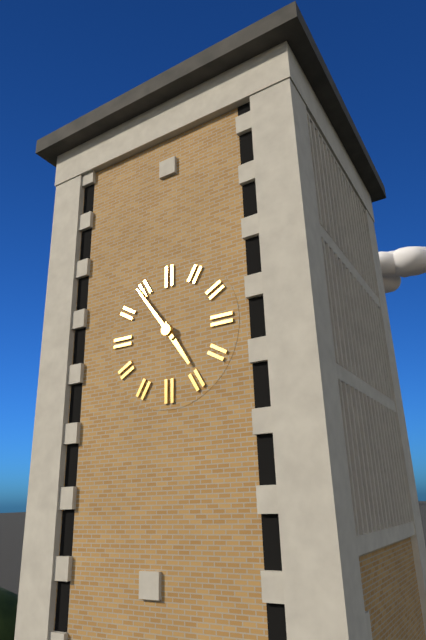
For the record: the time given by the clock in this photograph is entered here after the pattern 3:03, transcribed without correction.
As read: 4:54
